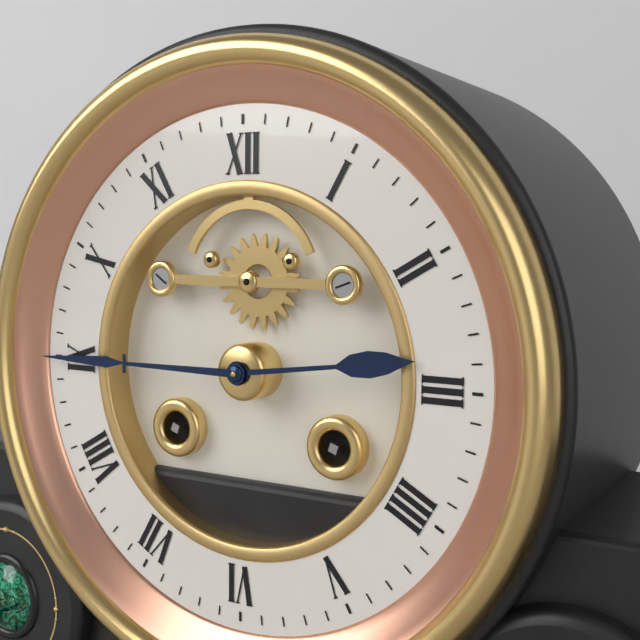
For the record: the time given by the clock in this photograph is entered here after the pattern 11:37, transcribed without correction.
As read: 2:45
